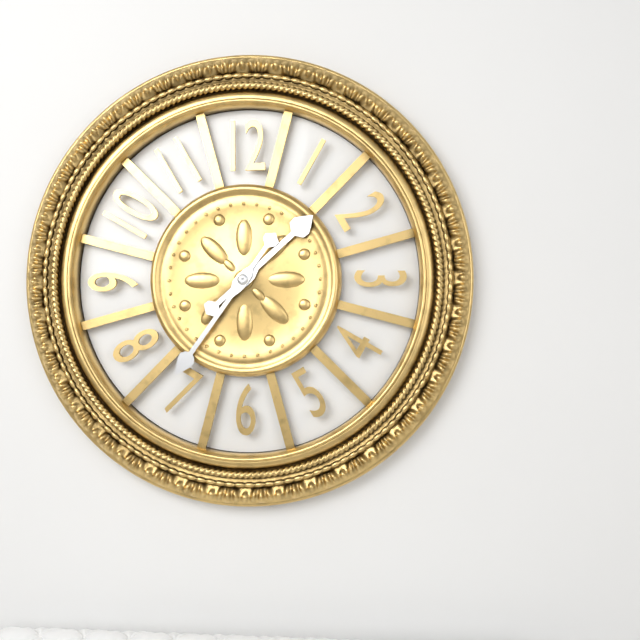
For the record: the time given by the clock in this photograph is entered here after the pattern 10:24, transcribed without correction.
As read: 1:36
